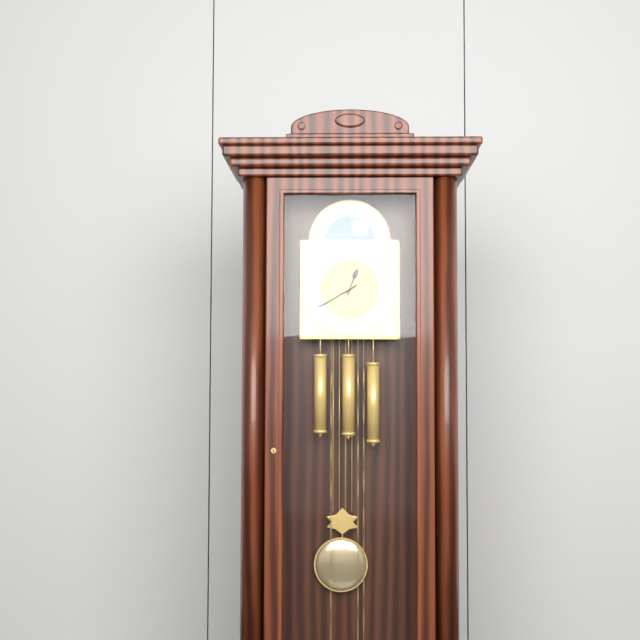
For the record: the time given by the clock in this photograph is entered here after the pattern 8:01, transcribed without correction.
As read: 12:40
